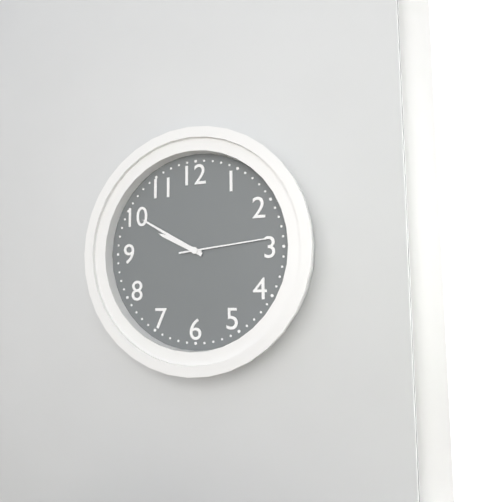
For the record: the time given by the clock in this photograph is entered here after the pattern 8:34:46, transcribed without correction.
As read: 9:50:14
